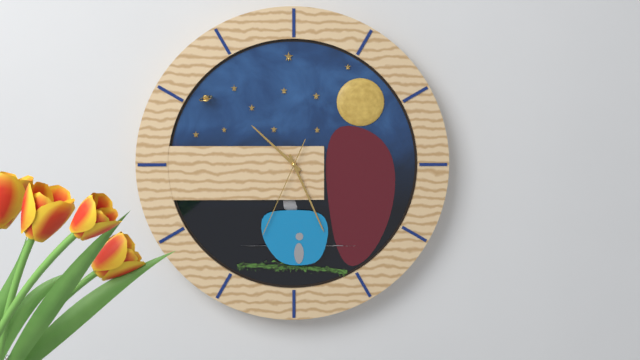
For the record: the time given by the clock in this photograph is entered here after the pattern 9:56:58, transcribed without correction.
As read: 10:26:34
